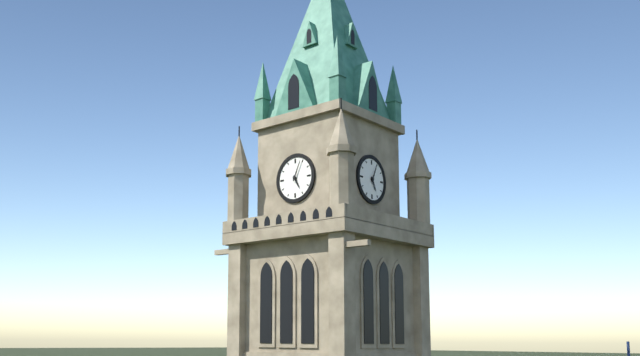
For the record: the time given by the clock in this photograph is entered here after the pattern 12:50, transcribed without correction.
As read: 5:04
